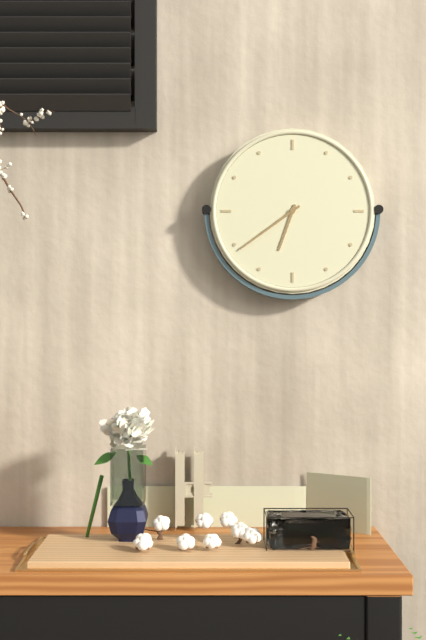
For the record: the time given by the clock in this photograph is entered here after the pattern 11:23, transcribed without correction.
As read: 6:39
